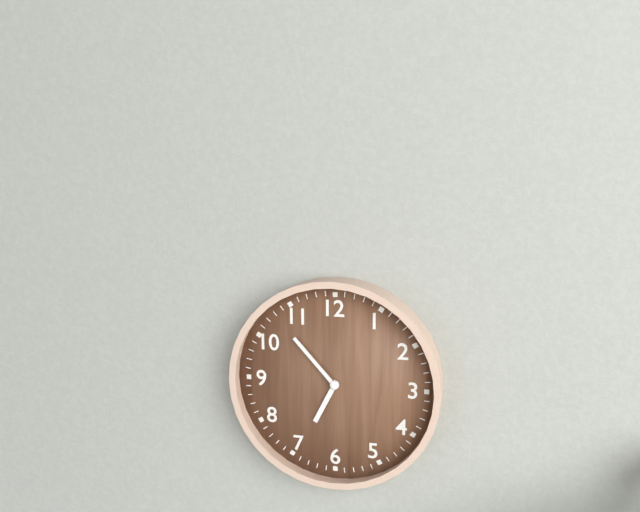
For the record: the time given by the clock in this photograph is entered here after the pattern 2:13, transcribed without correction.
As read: 6:53
